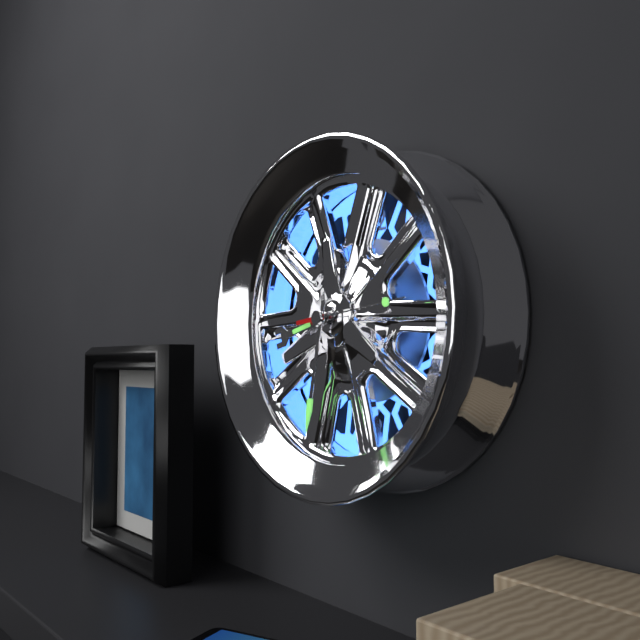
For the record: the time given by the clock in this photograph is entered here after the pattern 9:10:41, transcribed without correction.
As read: 8:32:14
